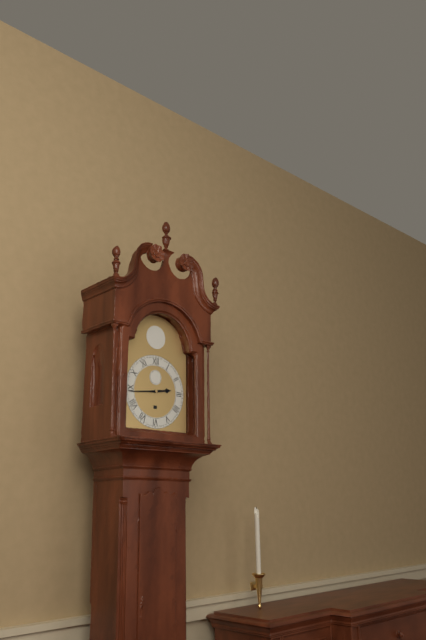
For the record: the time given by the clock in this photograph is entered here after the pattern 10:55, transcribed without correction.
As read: 2:44
